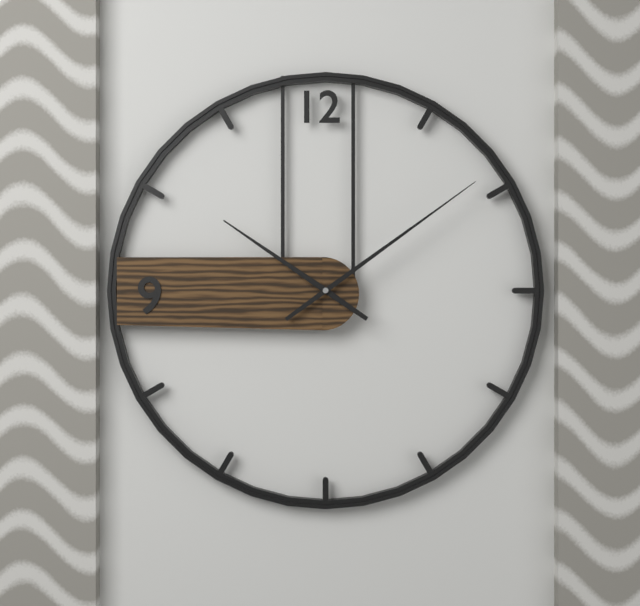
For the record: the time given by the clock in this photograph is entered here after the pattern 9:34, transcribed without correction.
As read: 10:09
